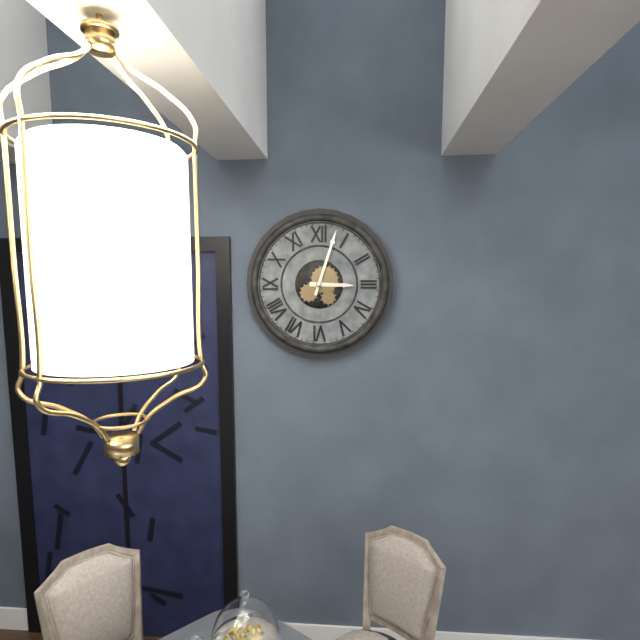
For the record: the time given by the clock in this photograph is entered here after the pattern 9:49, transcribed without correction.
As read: 3:03
